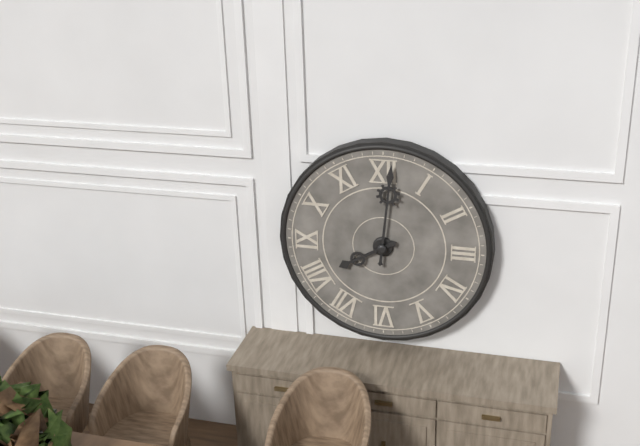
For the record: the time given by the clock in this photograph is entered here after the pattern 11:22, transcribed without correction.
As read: 8:01
